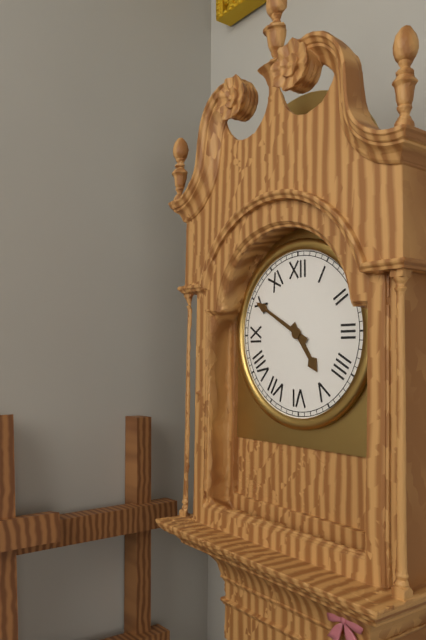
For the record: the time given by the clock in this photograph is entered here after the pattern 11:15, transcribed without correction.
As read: 4:50
